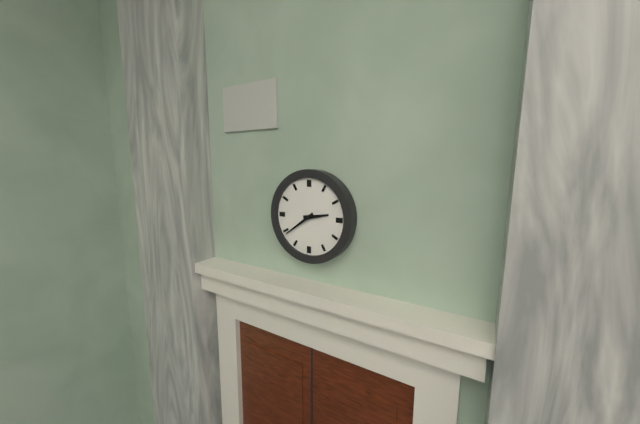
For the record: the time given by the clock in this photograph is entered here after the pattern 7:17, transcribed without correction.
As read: 2:39
